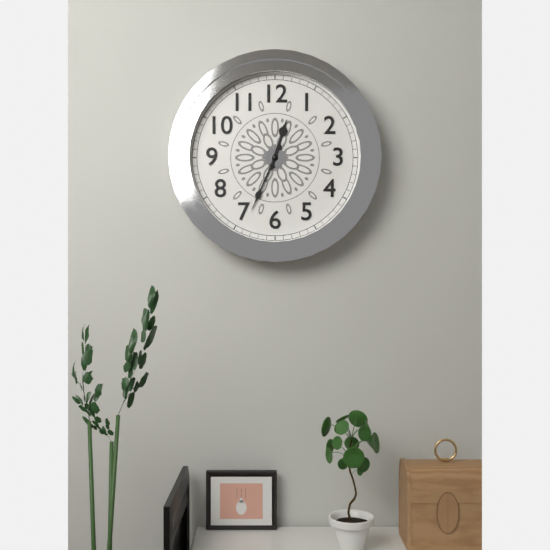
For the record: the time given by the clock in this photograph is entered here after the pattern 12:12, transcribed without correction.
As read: 12:34
